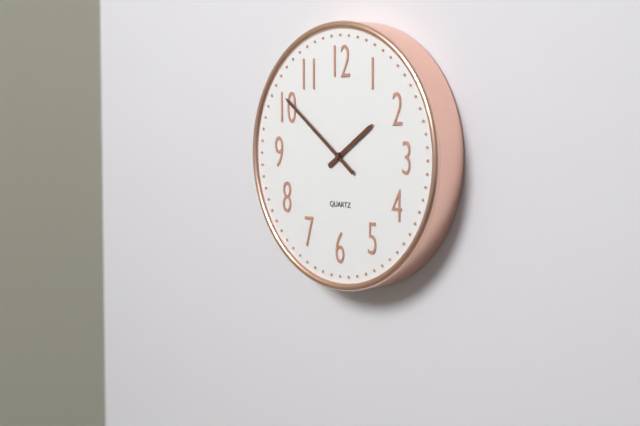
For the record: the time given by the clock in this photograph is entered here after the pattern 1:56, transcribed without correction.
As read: 1:51
